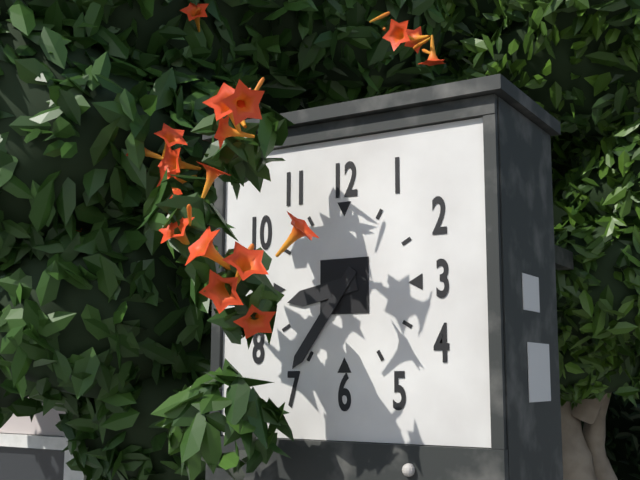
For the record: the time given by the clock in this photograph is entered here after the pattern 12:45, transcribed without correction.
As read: 8:36
